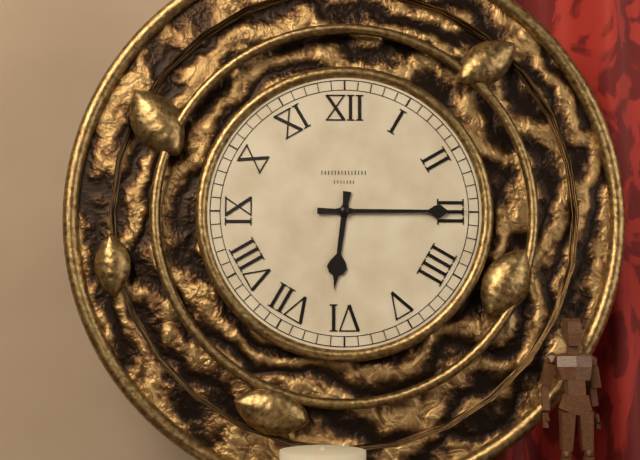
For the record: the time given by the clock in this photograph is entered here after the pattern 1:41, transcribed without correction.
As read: 6:15
